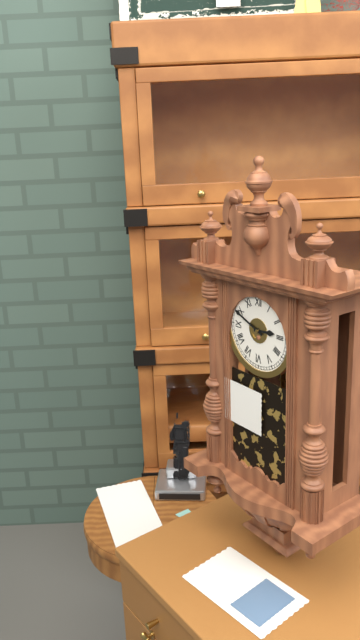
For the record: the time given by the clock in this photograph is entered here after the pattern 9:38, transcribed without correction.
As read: 2:49
